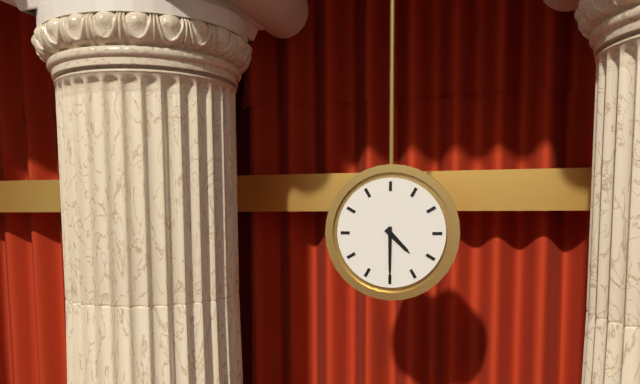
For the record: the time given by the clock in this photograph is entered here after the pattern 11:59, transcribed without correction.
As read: 4:30
